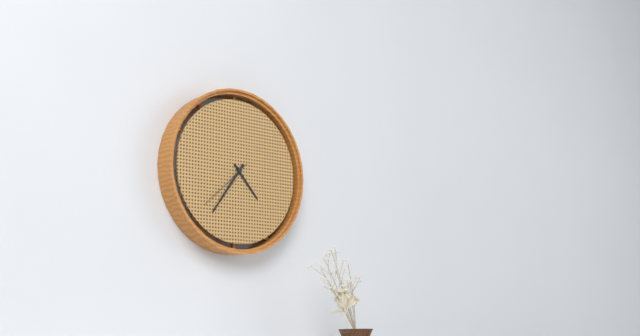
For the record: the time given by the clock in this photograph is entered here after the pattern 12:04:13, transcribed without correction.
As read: 4:36:38
